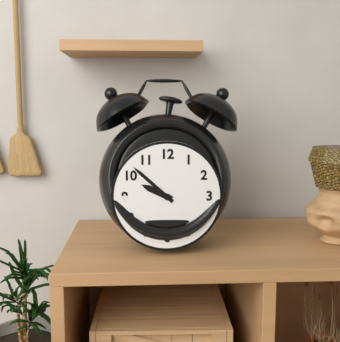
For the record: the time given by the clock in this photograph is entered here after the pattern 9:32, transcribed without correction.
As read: 9:52
